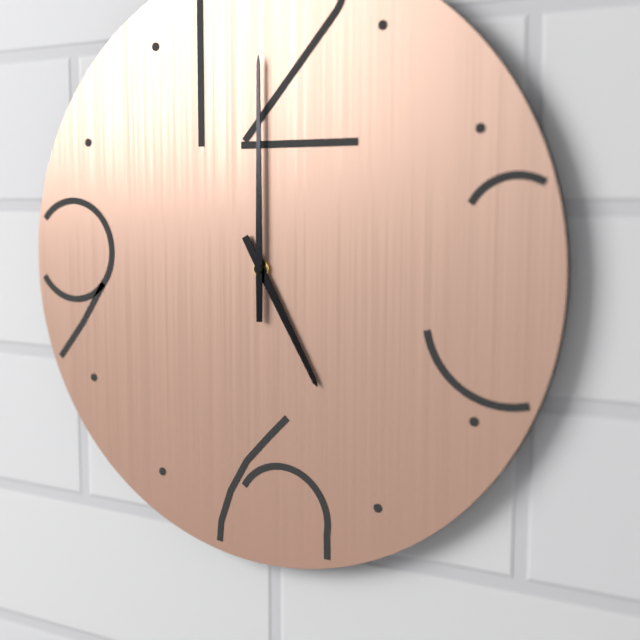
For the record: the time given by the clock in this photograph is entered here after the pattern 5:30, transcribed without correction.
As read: 5:00
